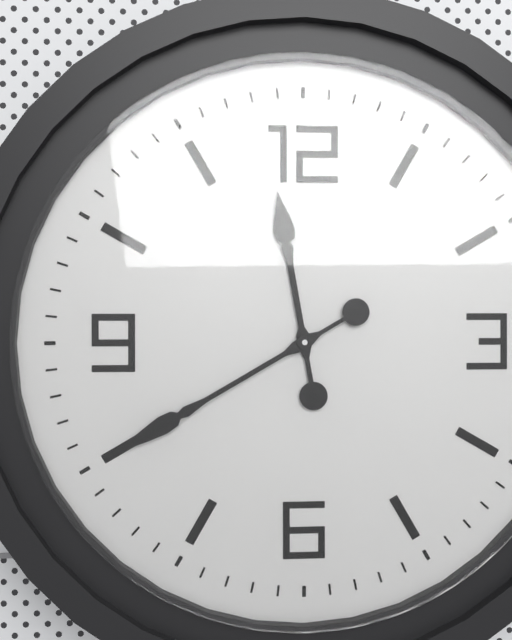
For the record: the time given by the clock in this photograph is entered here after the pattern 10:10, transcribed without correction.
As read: 11:40
